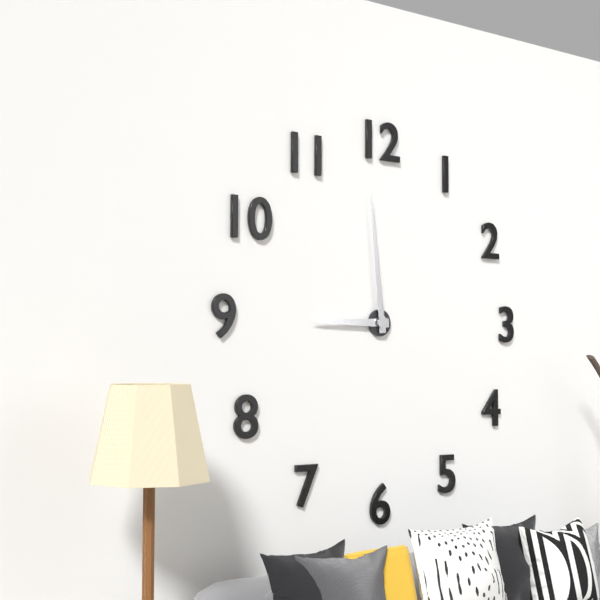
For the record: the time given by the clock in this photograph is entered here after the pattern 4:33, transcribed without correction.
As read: 8:59
